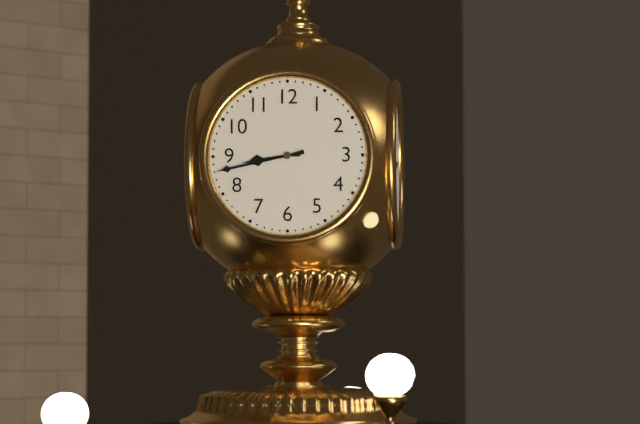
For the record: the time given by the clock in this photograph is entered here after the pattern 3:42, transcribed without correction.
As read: 8:43
